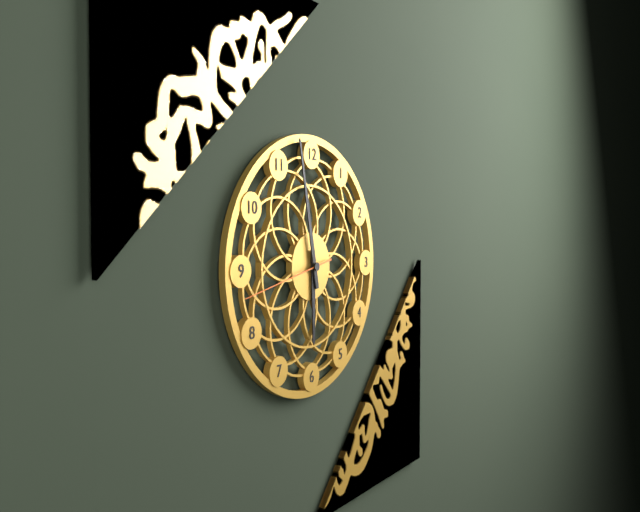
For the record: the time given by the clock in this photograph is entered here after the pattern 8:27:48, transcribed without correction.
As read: 5:58:43
